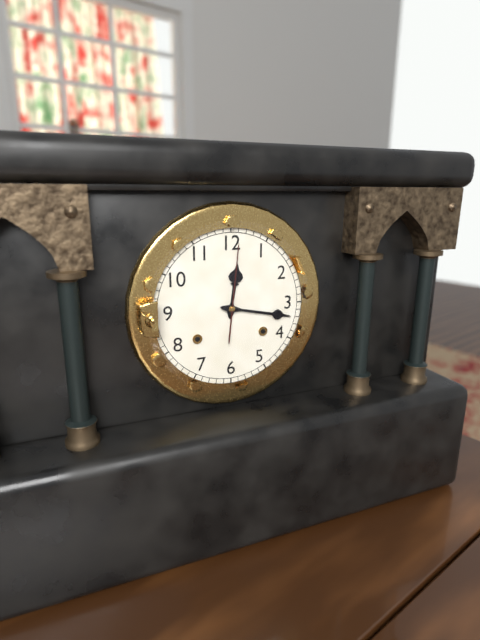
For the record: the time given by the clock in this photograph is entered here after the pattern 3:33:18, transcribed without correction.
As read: 12:17:01
